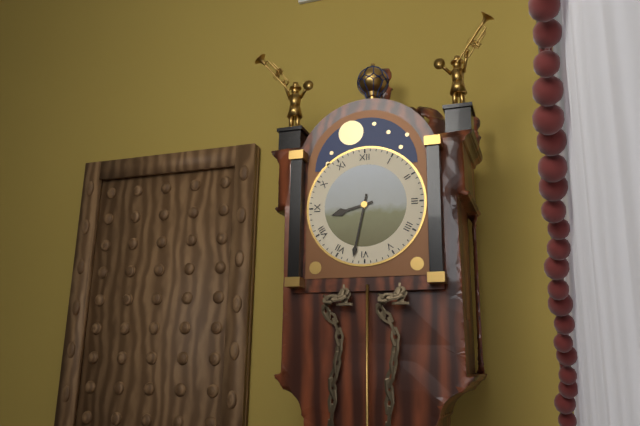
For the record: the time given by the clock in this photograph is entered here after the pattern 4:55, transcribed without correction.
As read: 8:32
